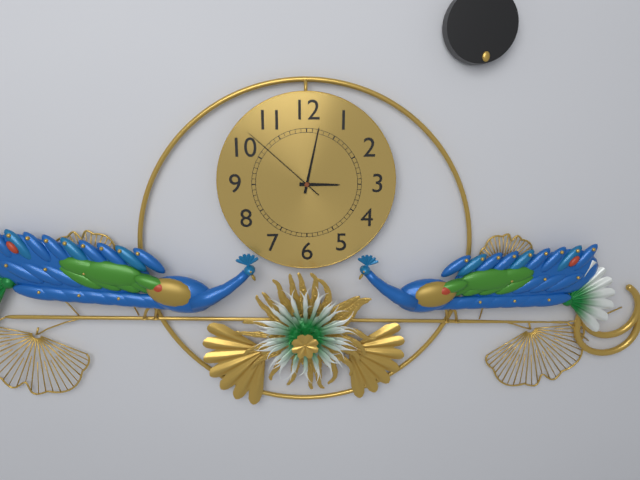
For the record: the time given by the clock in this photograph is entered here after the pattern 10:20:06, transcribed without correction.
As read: 3:02:52
